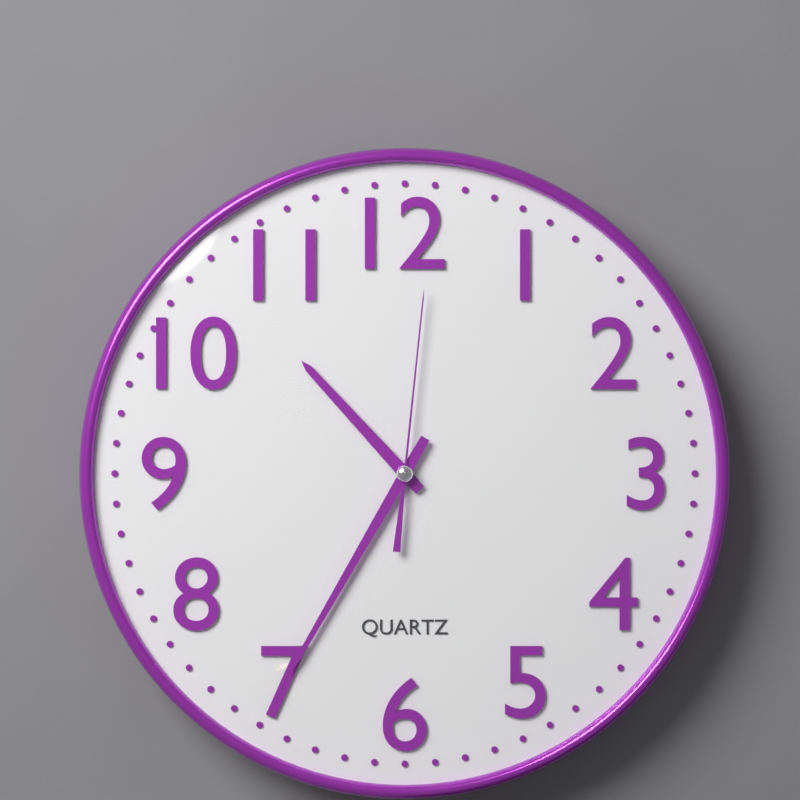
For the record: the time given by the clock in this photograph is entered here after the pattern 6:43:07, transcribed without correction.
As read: 10:35:01
